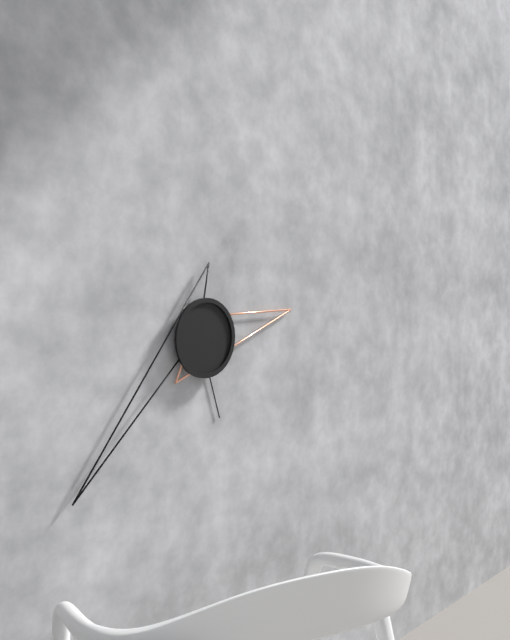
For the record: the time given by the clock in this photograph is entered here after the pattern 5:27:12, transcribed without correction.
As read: 2:38:27
